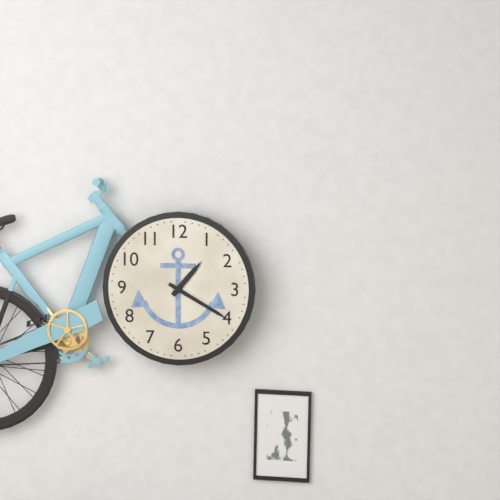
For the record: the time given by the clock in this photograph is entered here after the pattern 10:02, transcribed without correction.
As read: 1:20
